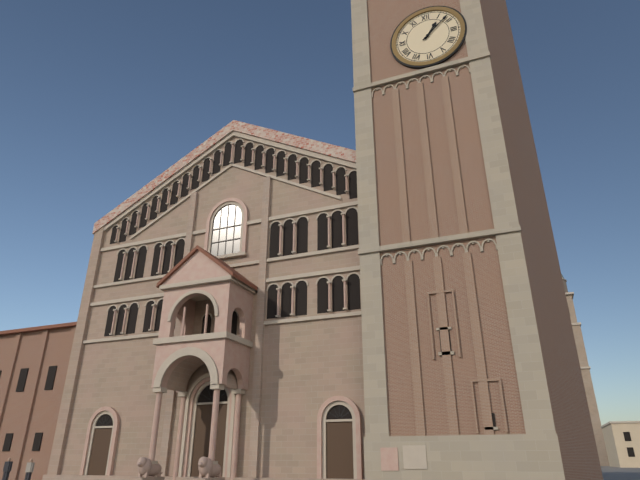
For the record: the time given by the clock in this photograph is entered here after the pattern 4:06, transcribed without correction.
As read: 1:08
